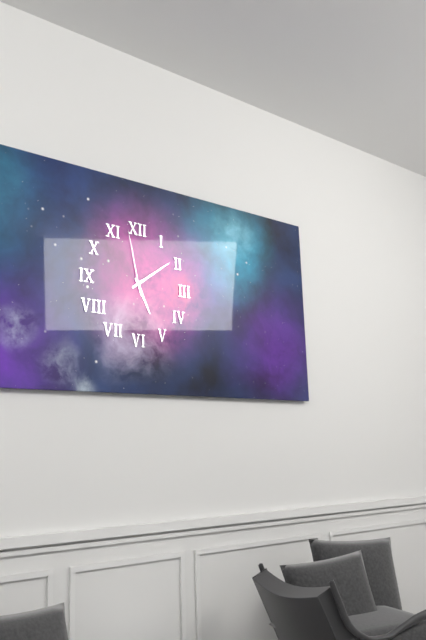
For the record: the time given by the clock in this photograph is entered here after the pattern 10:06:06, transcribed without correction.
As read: 5:09:58
